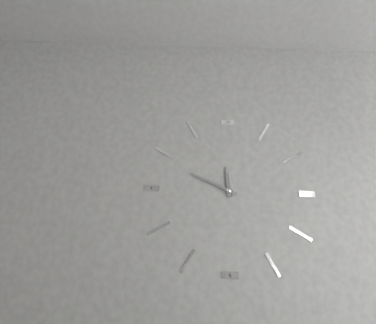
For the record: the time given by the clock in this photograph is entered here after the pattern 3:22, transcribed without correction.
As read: 11:49
